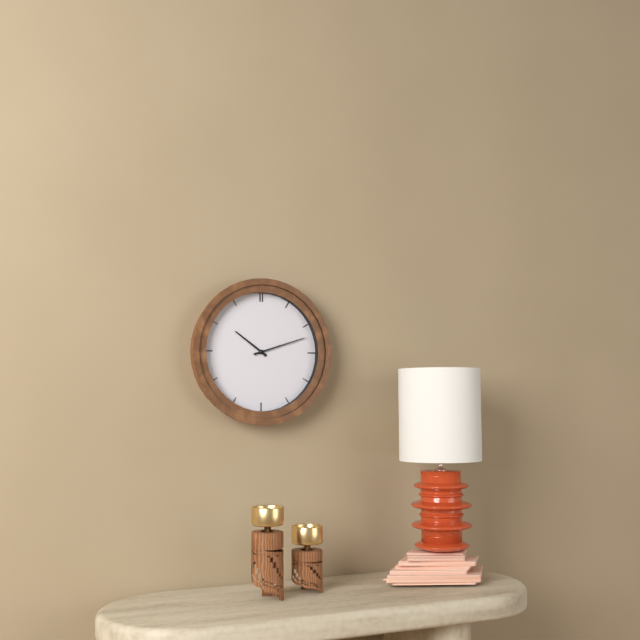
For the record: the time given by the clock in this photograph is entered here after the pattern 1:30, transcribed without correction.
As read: 10:12
